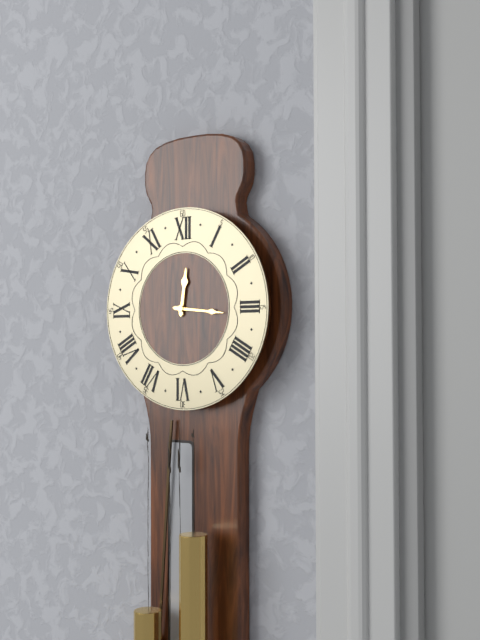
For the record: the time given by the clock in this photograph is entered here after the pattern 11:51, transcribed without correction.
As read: 12:16
